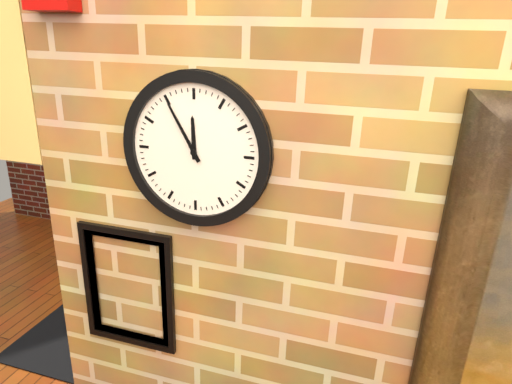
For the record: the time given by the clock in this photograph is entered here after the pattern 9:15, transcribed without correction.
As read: 11:55
